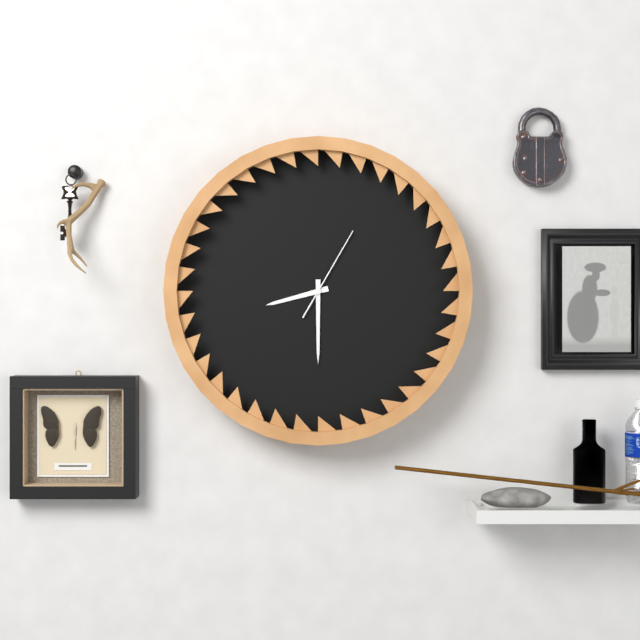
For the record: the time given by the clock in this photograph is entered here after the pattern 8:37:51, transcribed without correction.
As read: 8:30:05
